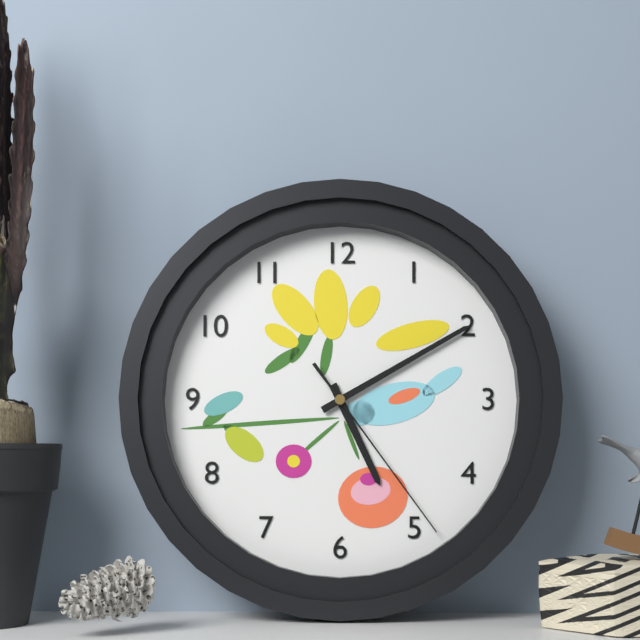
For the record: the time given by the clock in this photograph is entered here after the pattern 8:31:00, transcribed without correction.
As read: 5:10:24
